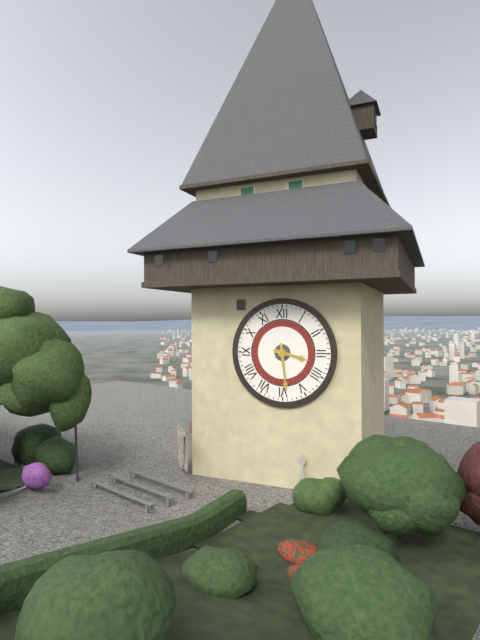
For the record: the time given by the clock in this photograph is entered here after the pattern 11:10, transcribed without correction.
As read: 3:29
